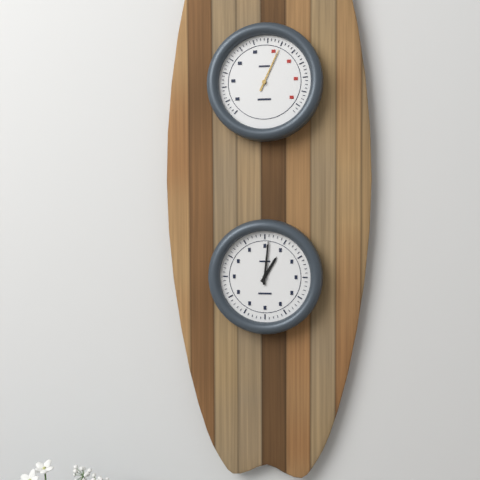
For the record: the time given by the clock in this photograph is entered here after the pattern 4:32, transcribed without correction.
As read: 1:01
